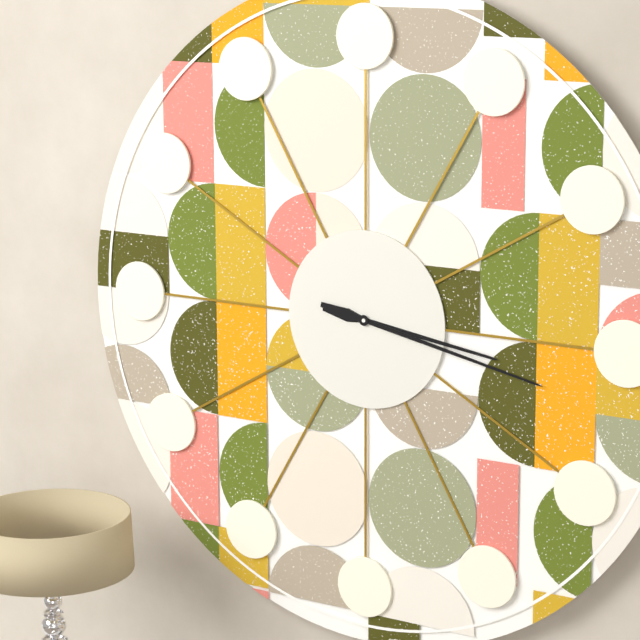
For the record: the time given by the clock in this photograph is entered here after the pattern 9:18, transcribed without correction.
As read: 3:17
